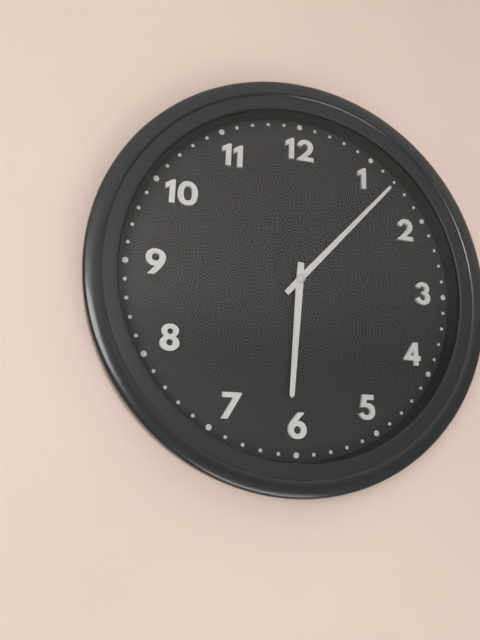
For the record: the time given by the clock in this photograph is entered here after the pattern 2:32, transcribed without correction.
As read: 6:07
